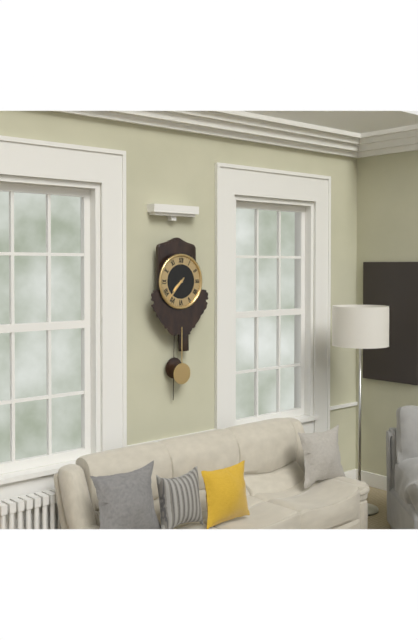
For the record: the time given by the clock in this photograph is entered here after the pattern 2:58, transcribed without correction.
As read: 7:37
